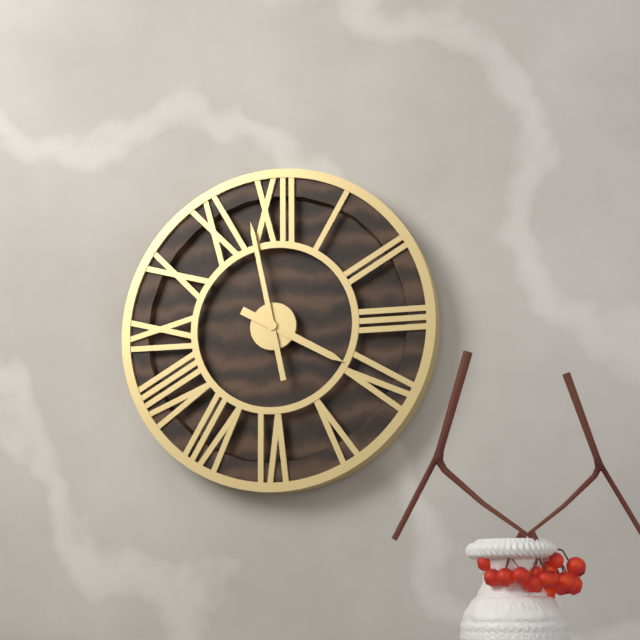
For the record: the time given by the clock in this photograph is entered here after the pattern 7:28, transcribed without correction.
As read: 3:58
